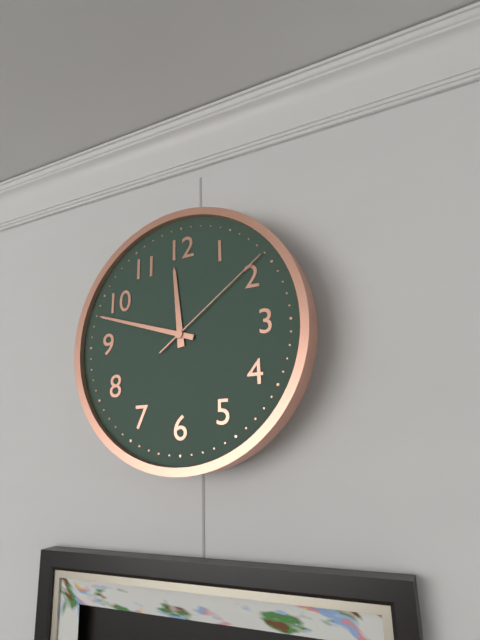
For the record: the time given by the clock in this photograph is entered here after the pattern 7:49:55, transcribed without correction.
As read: 11:48:09
